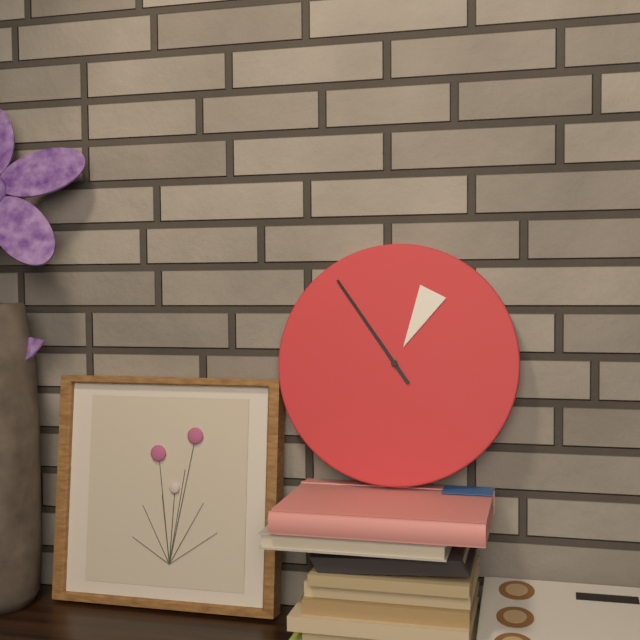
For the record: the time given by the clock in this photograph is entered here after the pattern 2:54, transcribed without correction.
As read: 12:54
